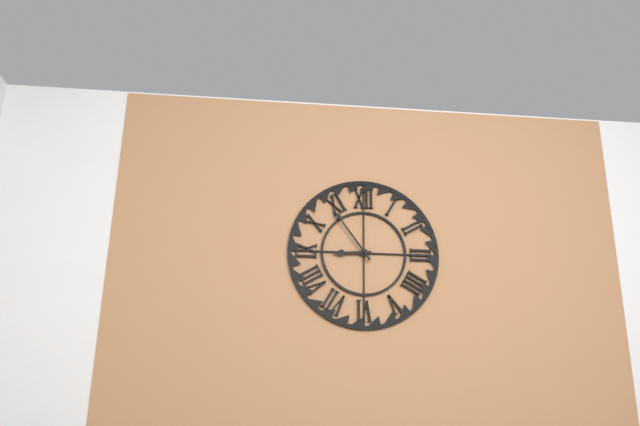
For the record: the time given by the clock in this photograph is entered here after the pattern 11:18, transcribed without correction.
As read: 8:54
